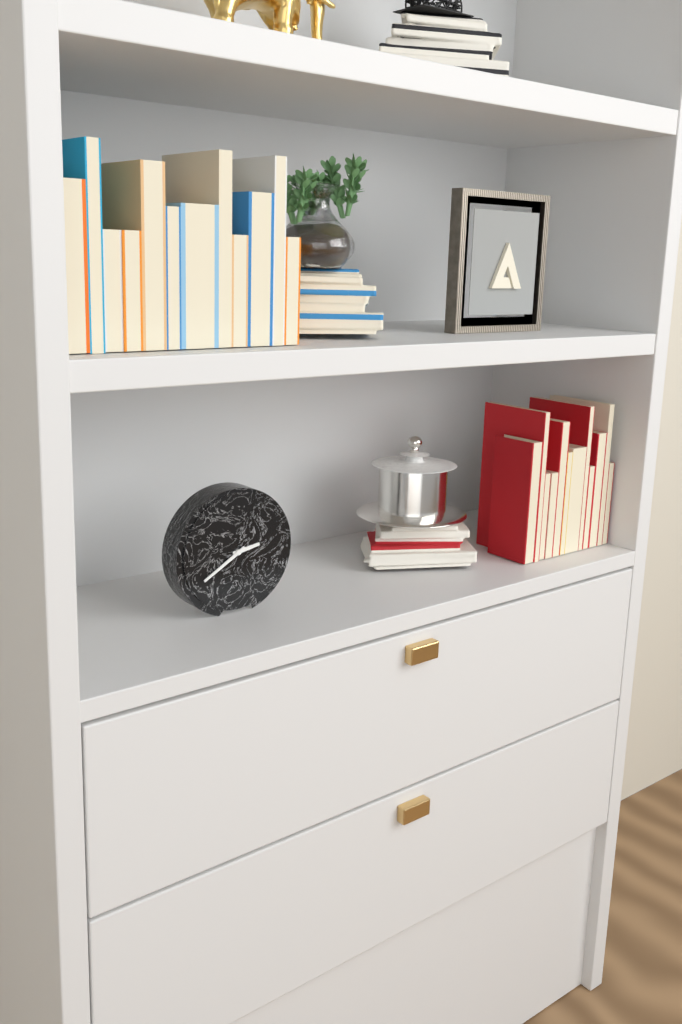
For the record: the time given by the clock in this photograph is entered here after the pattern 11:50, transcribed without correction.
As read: 2:40
